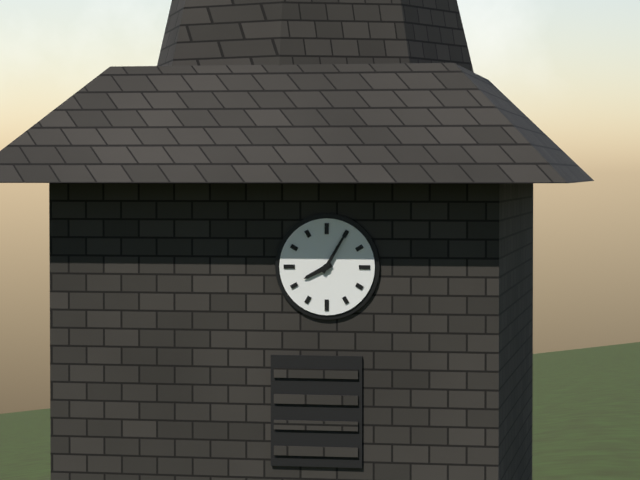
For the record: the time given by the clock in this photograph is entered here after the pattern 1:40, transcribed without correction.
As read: 8:05
